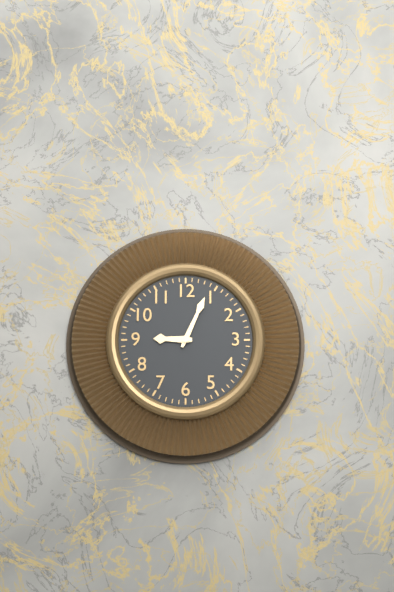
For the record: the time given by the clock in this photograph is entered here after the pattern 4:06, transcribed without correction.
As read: 9:04
